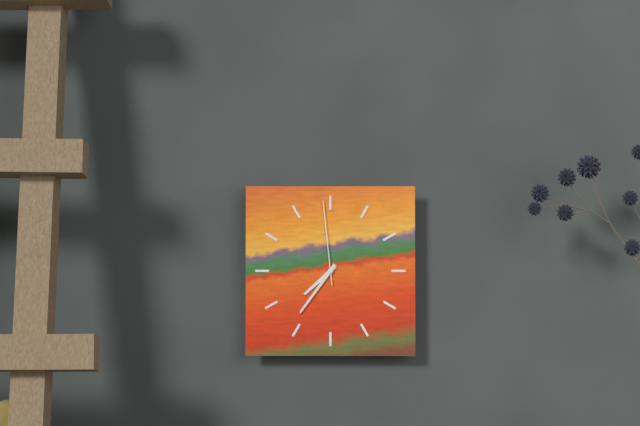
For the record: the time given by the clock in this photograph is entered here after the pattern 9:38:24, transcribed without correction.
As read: 7:36:59
